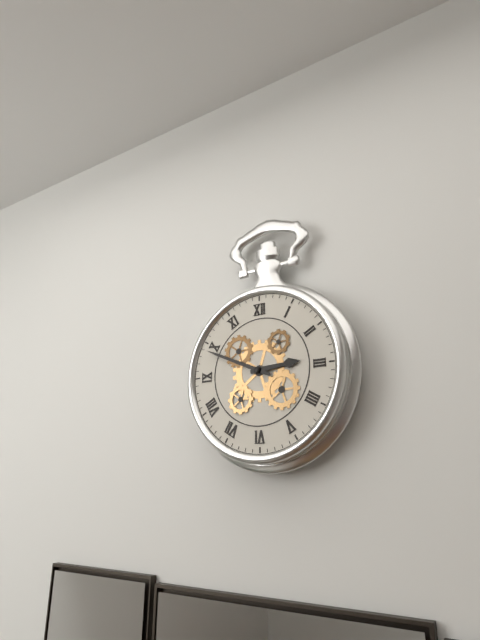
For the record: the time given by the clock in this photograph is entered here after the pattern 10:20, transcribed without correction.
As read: 2:49
